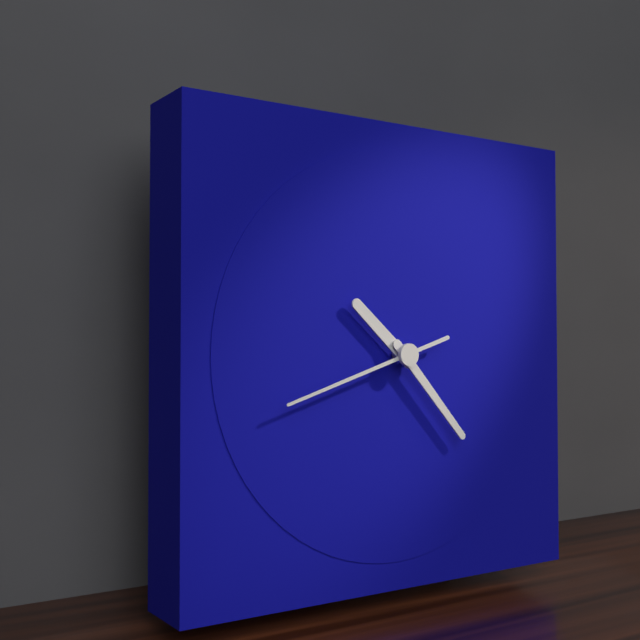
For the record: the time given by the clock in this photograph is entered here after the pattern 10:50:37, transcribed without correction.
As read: 10:23:42
